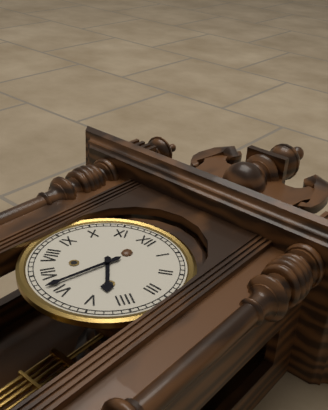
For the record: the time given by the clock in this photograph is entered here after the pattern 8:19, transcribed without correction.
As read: 4:32
